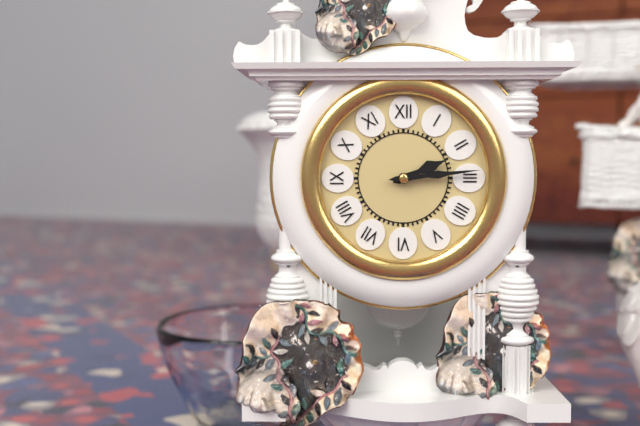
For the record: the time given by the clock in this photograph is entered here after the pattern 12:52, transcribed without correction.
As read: 2:14
